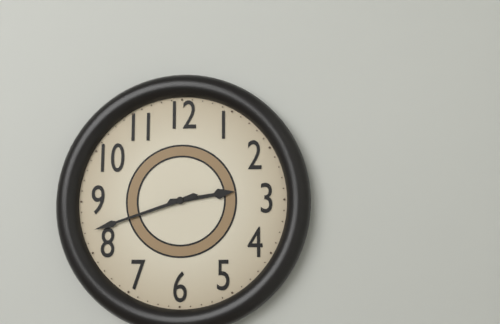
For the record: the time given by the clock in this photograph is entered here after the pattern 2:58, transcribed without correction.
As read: 2:42
